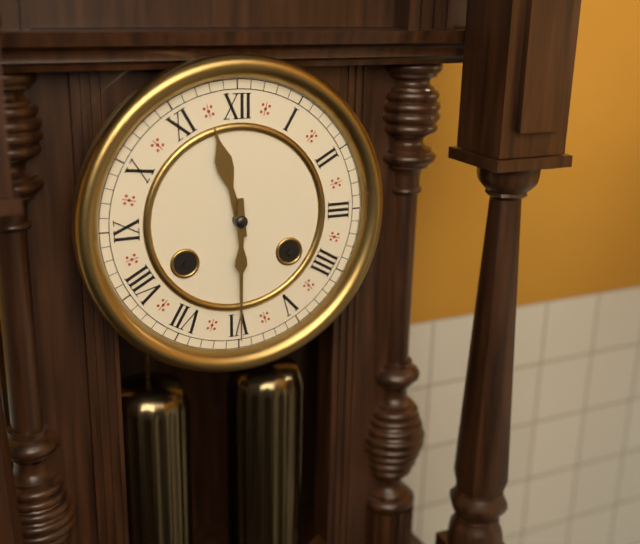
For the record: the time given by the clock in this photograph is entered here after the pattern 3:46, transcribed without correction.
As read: 11:30
